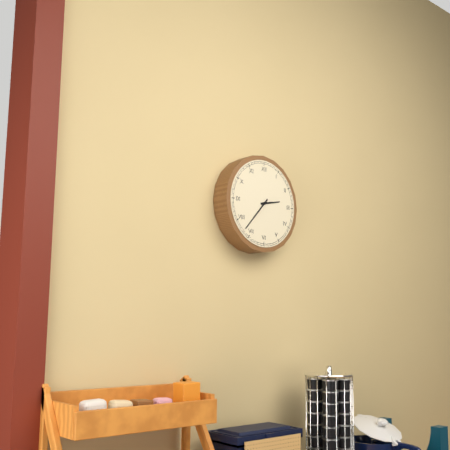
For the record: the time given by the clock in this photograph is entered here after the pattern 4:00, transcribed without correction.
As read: 2:37
